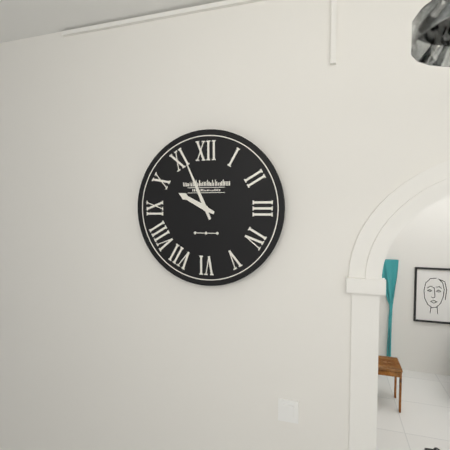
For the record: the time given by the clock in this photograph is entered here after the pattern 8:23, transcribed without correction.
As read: 9:56
